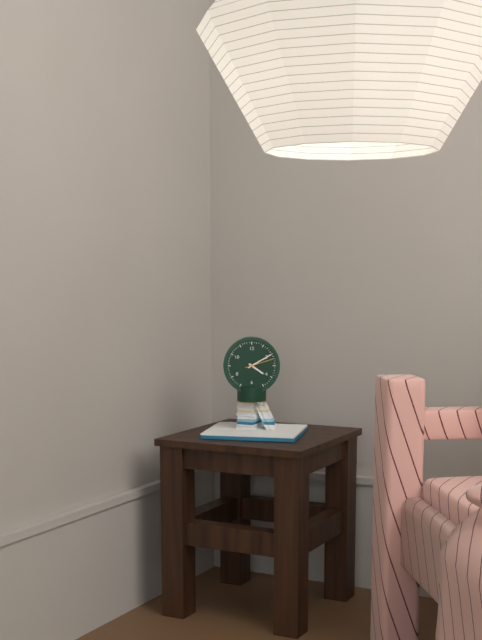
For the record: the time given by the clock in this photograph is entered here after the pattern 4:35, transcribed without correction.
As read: 4:10
